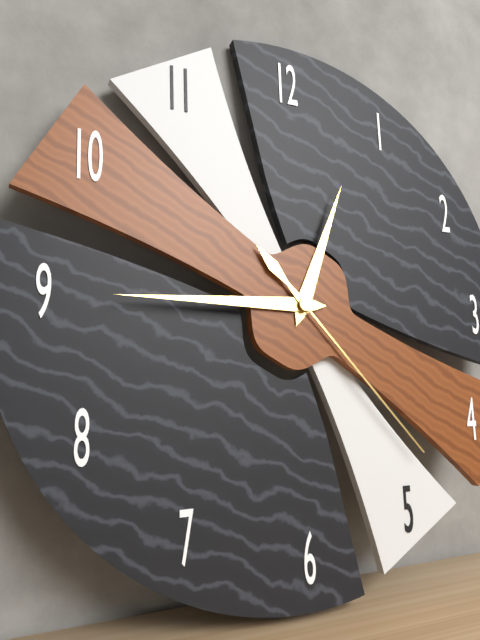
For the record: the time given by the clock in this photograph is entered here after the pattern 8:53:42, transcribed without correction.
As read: 12:45:23
